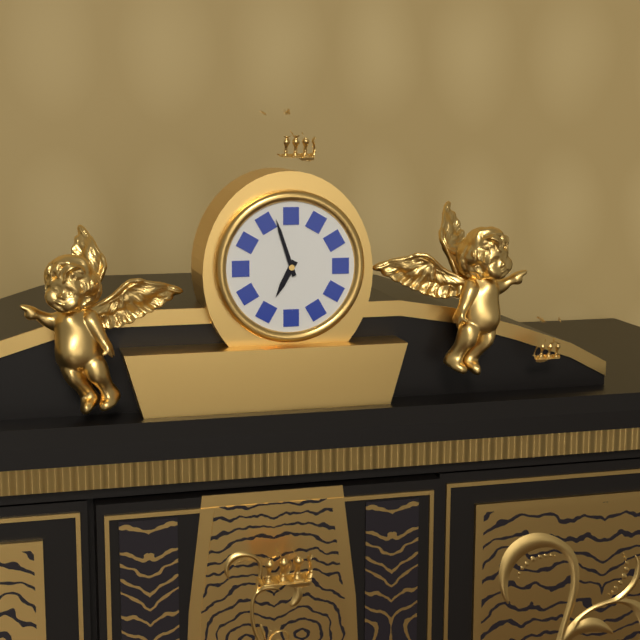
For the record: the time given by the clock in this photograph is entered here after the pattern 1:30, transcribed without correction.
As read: 6:57
